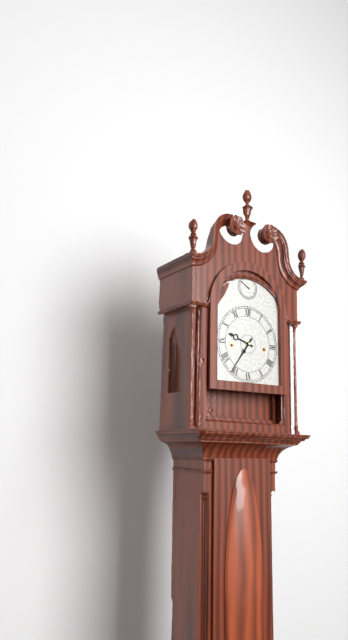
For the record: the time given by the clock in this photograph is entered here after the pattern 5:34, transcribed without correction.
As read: 9:36
